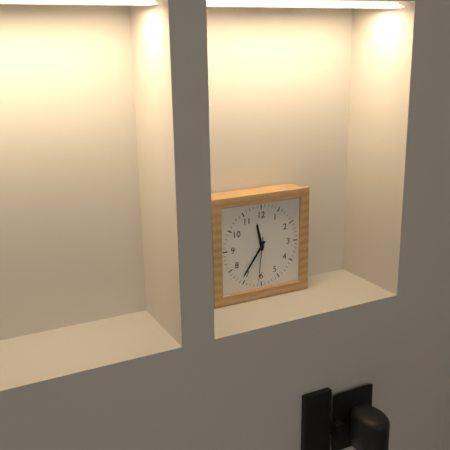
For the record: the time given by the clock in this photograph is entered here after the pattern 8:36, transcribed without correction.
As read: 11:36
